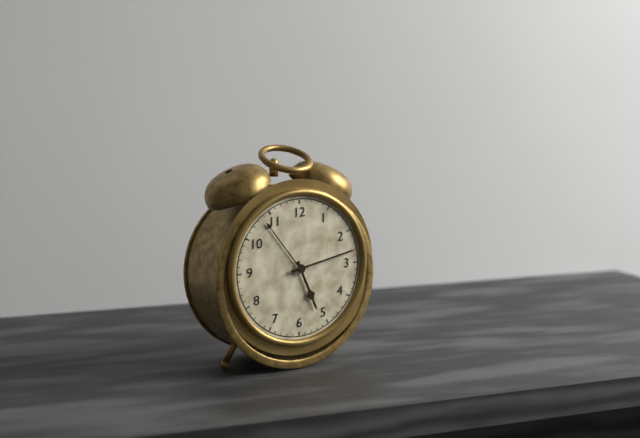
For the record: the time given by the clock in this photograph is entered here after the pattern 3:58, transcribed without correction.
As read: 5:13
